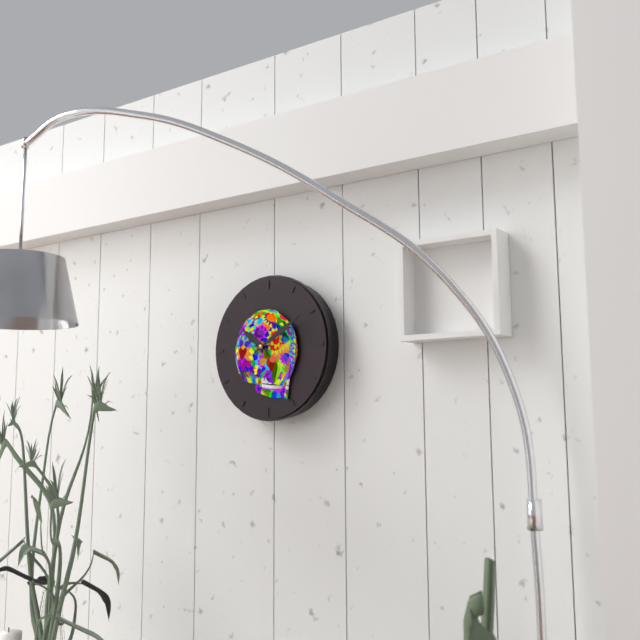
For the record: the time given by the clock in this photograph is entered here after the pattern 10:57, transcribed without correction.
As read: 10:10
